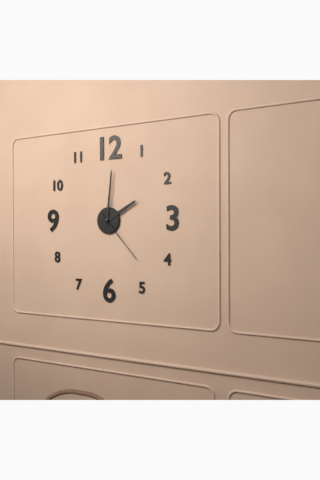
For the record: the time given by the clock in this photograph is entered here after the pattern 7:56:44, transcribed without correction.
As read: 2:01:23
